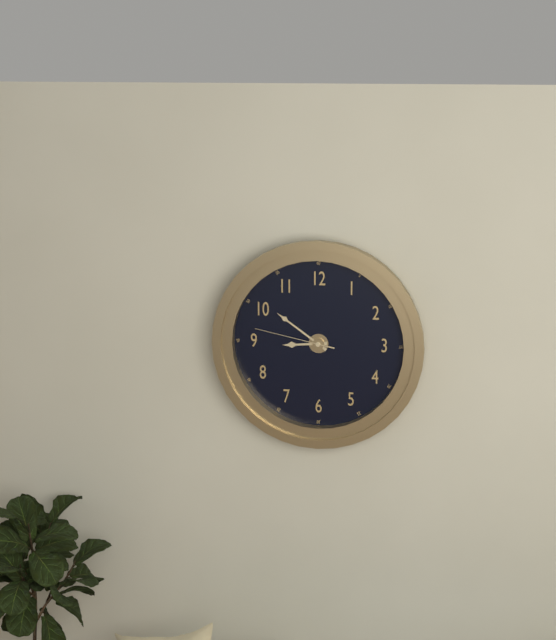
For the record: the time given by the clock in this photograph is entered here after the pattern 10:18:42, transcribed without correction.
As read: 8:51:47
